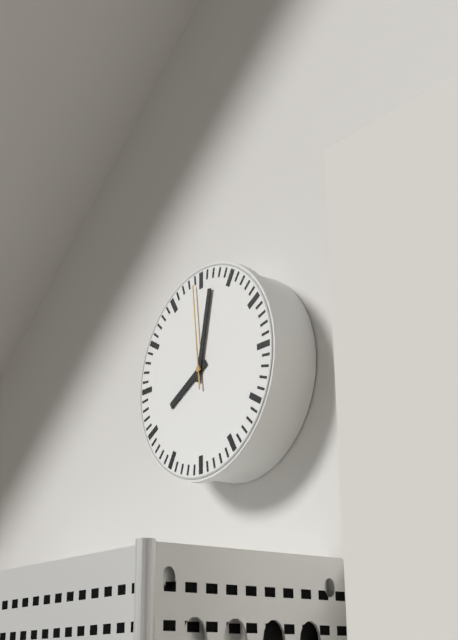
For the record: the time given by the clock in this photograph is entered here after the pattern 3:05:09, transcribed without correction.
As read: 8:02:59
